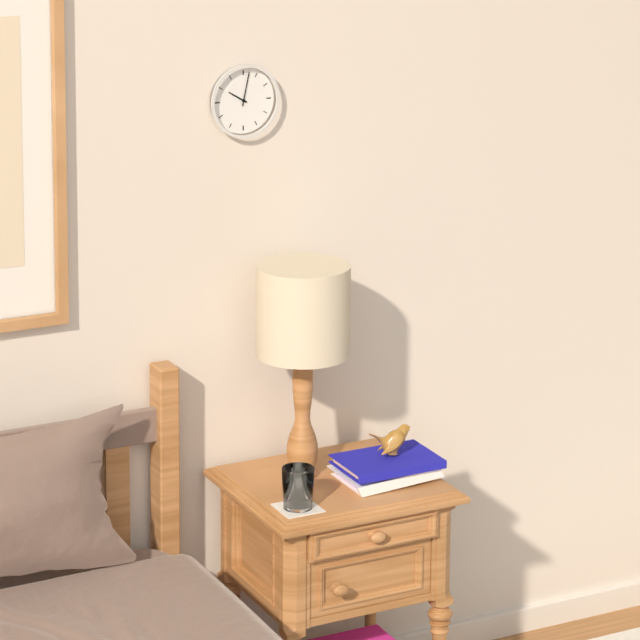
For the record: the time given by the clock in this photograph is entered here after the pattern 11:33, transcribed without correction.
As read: 10:02
